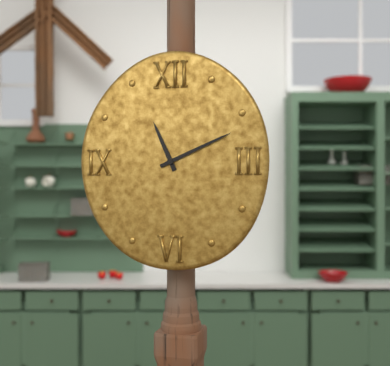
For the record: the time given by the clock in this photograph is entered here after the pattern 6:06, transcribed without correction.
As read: 11:11
